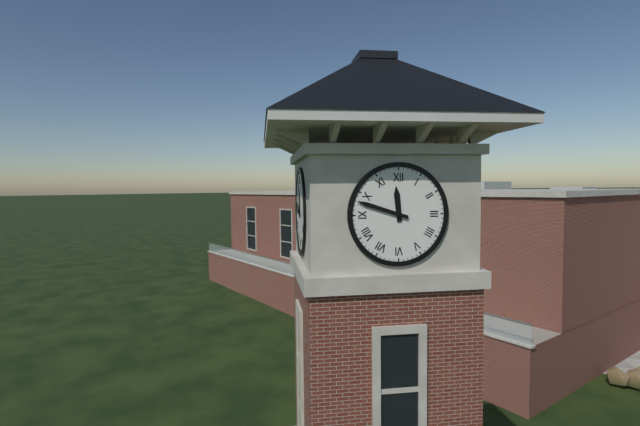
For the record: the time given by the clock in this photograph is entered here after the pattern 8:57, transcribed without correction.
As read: 11:48
